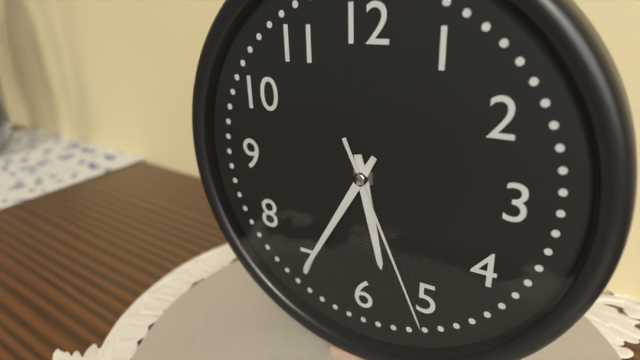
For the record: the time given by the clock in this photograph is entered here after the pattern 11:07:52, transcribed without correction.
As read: 5:35:26
